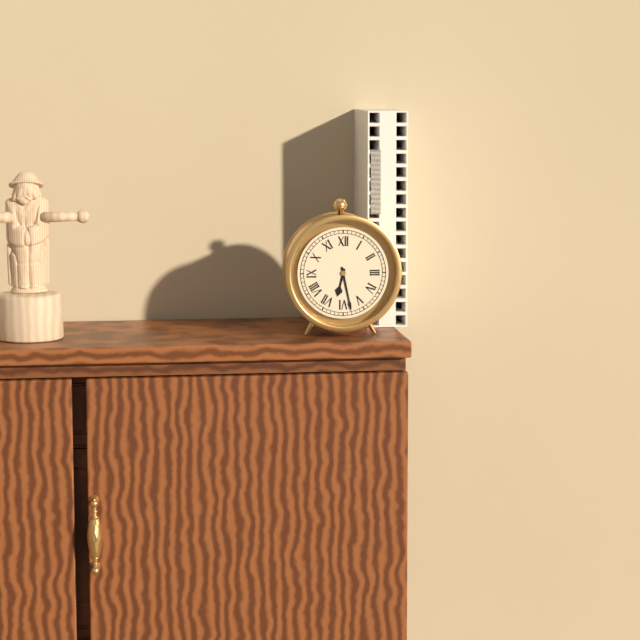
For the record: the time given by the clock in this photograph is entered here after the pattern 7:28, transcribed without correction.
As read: 6:28
